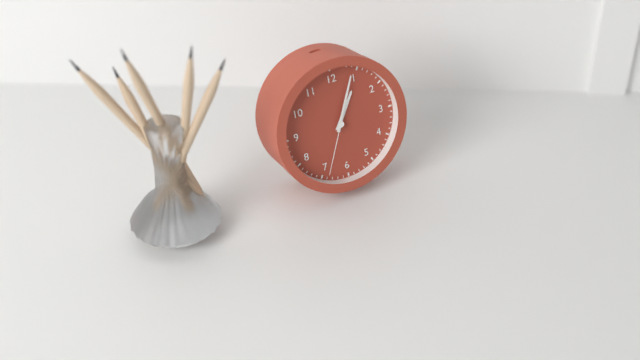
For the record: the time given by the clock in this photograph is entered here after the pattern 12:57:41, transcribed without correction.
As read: 1:04:34
